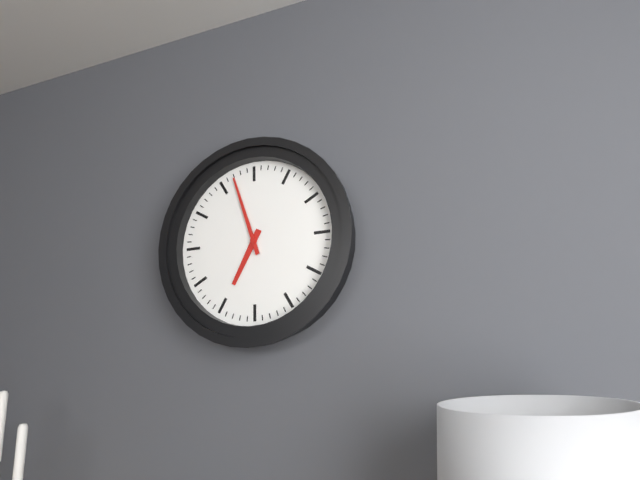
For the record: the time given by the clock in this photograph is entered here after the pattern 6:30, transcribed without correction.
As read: 6:57
